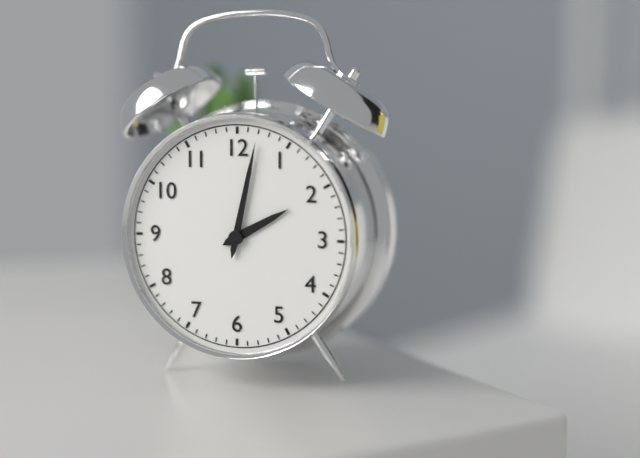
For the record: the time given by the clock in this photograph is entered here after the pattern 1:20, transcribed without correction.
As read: 2:02
